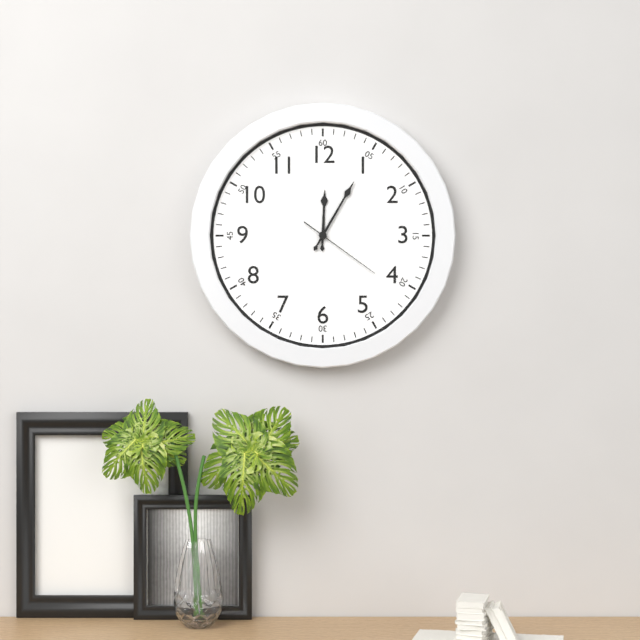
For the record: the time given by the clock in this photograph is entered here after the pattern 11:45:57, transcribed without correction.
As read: 12:05:21
